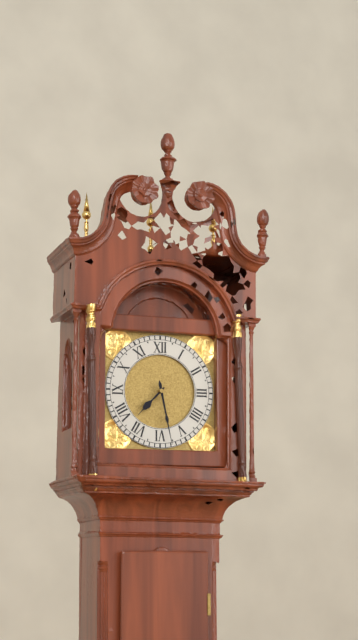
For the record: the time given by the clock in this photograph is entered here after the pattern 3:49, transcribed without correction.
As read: 7:28
